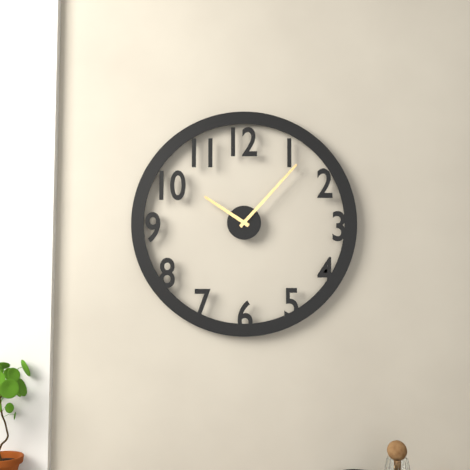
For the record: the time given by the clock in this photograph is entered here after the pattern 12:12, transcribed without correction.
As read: 10:07
